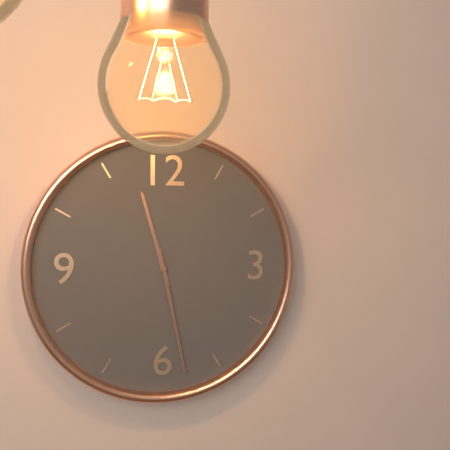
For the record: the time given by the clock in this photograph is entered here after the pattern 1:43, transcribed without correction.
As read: 11:28
